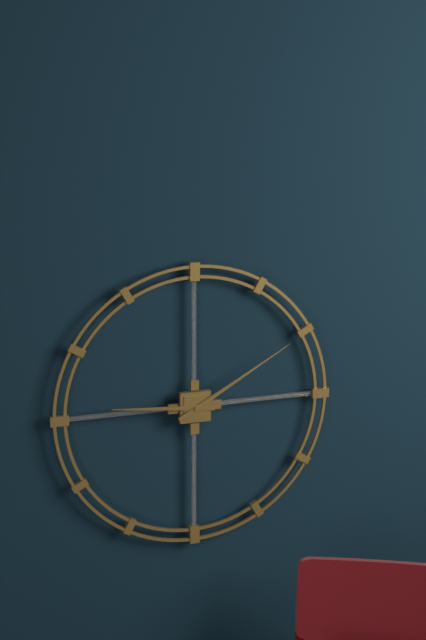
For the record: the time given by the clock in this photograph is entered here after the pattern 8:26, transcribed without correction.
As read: 9:10
